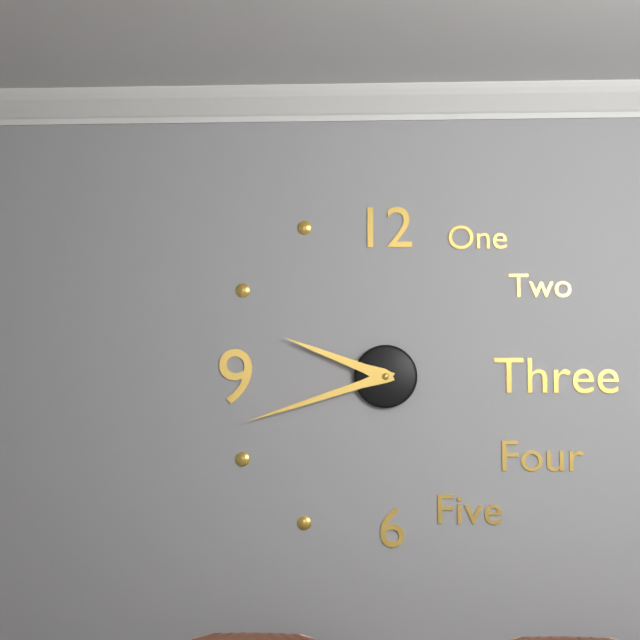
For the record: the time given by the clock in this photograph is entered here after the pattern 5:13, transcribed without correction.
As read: 9:42
